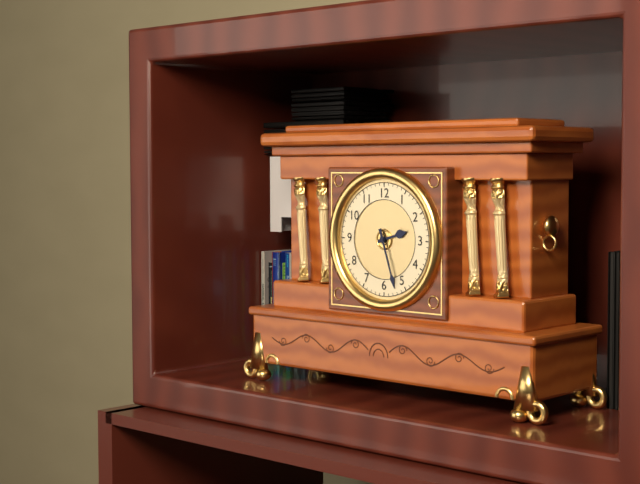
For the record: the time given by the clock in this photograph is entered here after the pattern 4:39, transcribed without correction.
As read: 2:27
